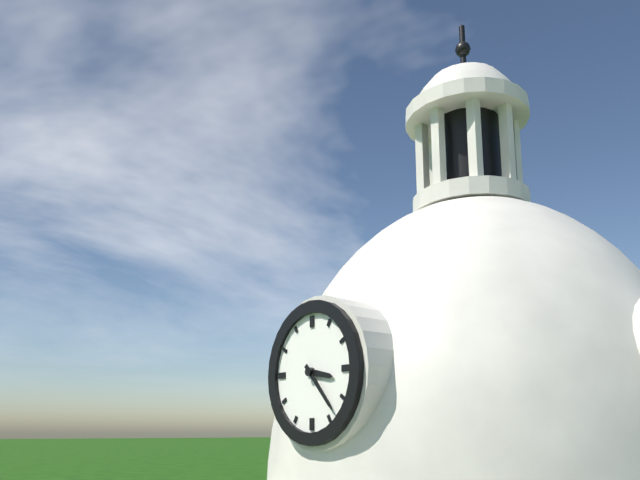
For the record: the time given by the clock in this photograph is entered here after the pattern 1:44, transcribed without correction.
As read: 3:23
